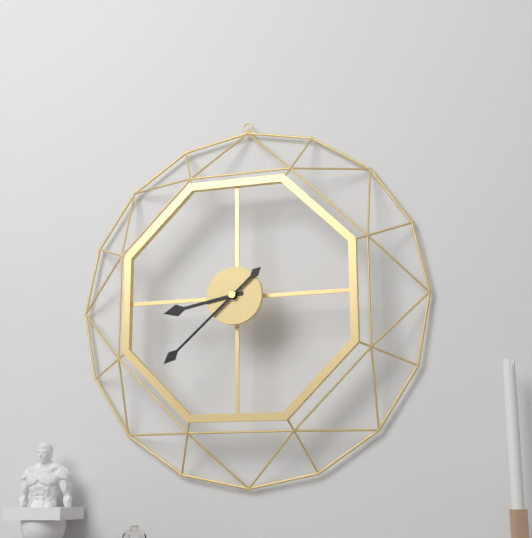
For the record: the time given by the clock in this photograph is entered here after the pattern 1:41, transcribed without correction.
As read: 8:38
